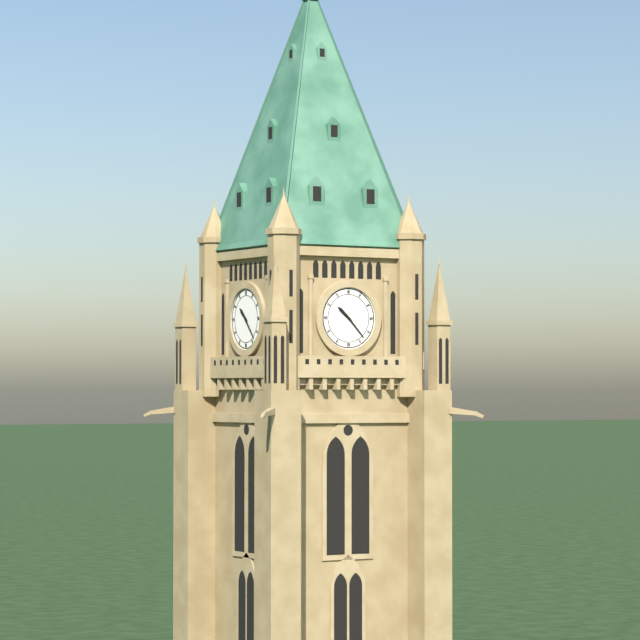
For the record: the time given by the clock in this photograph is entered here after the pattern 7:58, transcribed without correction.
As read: 10:23
